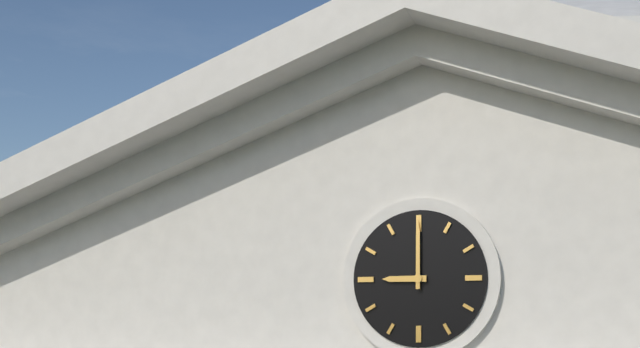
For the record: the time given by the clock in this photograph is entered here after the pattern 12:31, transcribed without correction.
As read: 9:00
